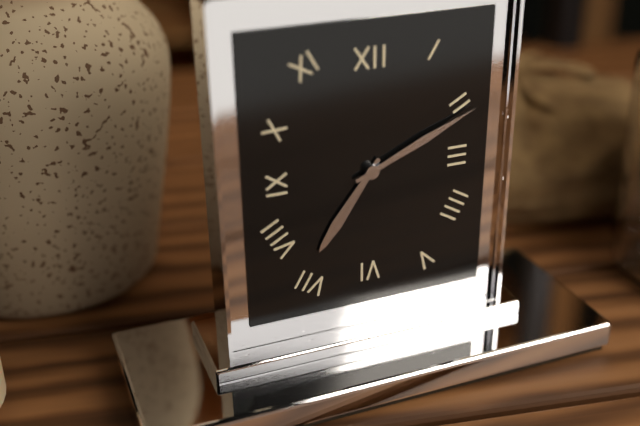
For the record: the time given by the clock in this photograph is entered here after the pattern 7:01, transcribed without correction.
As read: 7:11
